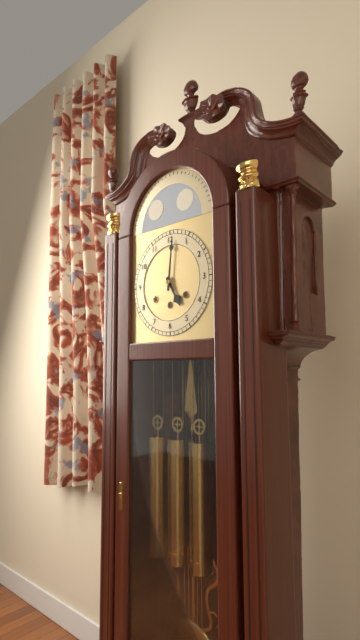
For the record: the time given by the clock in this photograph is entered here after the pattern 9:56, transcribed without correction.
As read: 5:01
